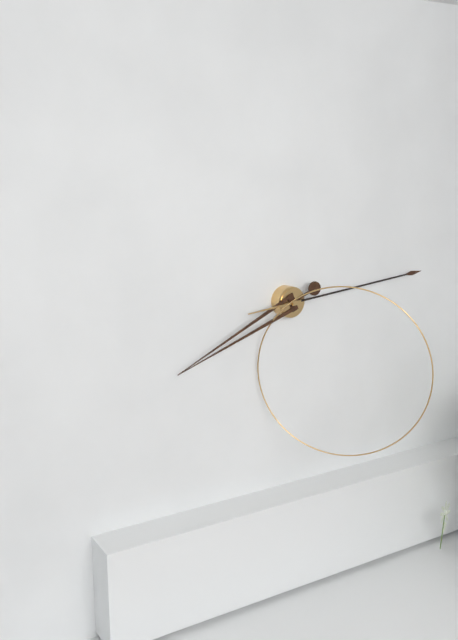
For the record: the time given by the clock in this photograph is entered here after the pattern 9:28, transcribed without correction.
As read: 8:14
